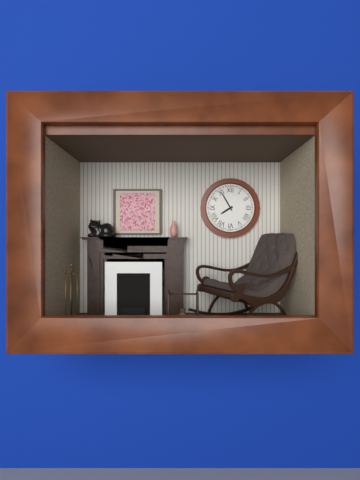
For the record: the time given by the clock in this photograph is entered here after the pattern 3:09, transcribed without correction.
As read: 7:55
